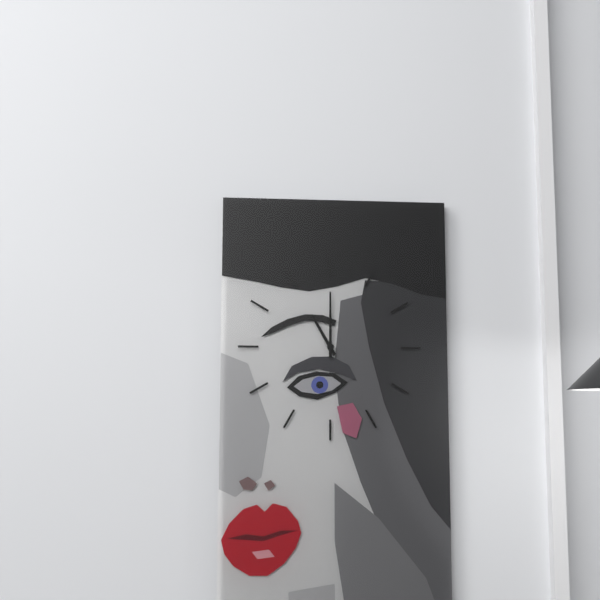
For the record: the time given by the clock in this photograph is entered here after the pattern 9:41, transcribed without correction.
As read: 11:00
